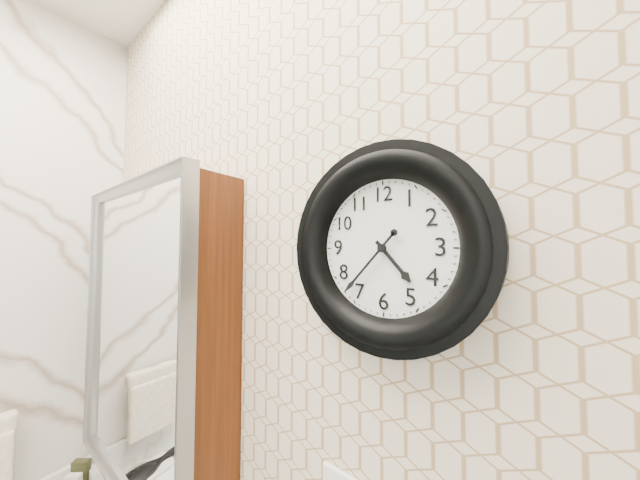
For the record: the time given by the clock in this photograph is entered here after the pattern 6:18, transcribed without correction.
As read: 4:37
